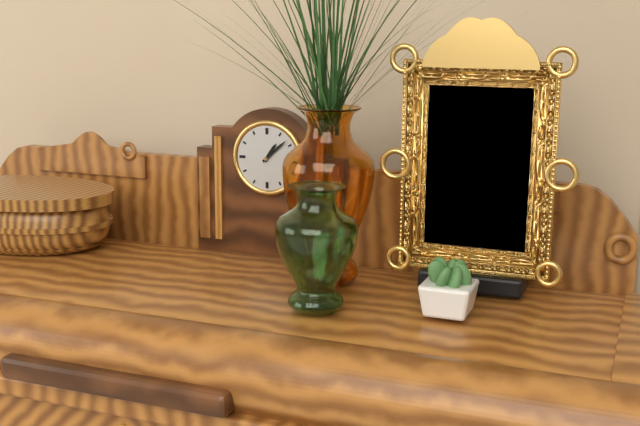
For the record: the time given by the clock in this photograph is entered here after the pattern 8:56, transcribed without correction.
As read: 1:08
